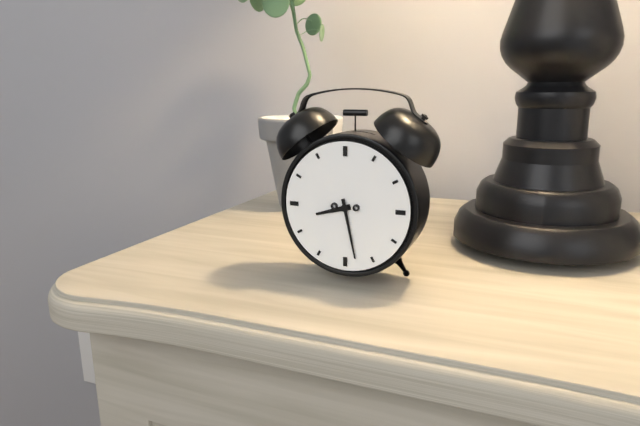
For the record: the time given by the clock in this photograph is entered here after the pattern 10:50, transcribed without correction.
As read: 8:28
